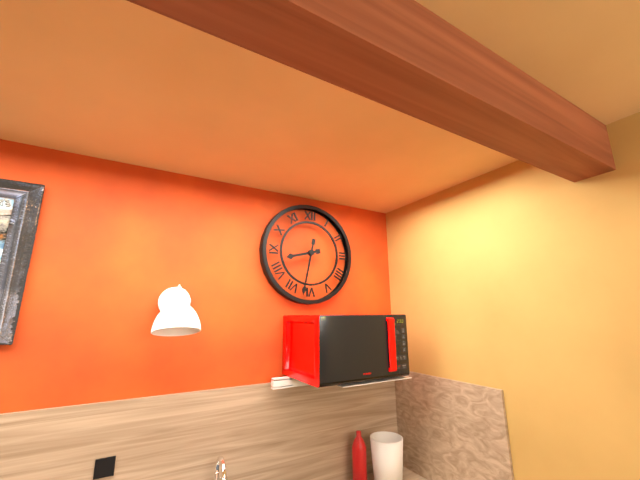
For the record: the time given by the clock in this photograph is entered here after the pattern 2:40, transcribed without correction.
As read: 8:32
